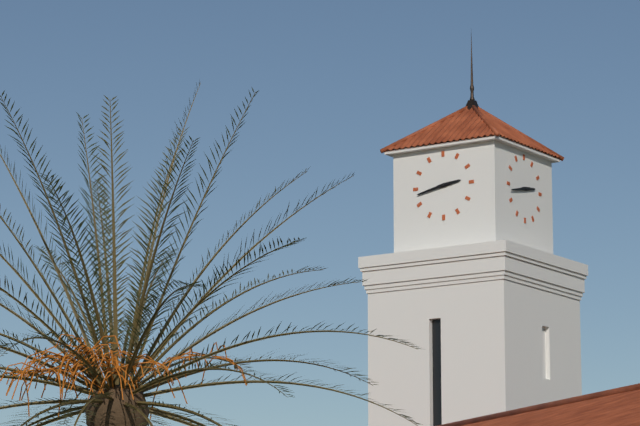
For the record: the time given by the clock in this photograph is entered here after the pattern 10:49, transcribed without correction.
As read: 2:43
